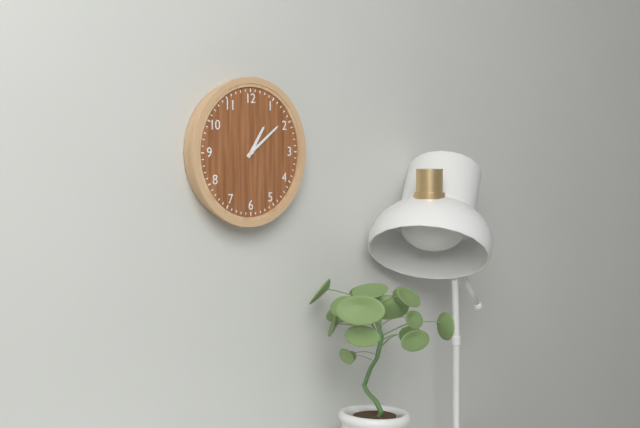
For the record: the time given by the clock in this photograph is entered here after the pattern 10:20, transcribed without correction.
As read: 1:09
